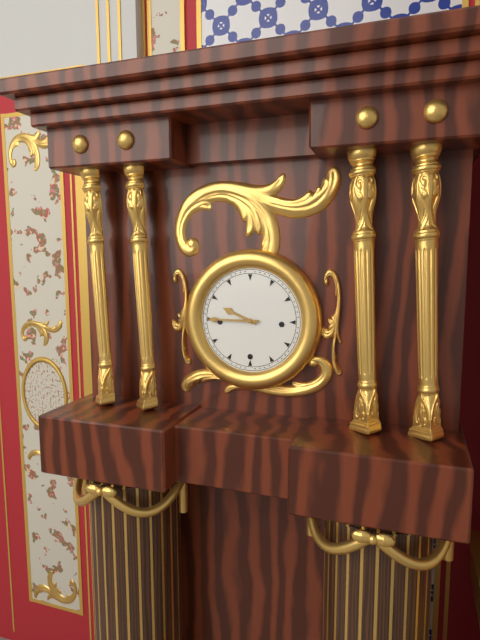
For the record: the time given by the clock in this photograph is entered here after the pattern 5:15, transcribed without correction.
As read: 9:45
